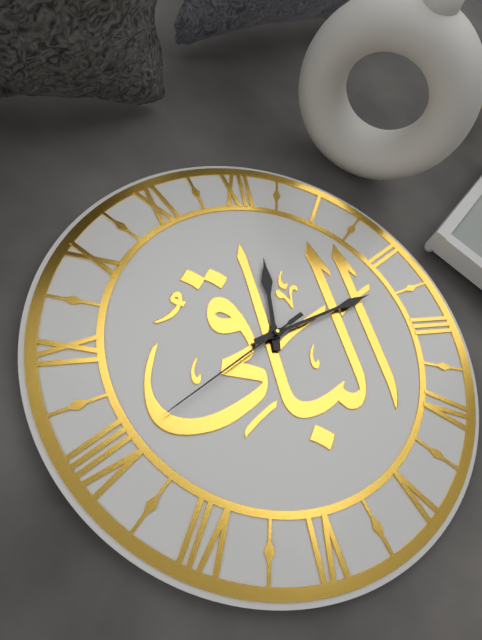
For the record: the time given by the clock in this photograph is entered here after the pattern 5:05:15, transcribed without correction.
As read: 12:12:40
